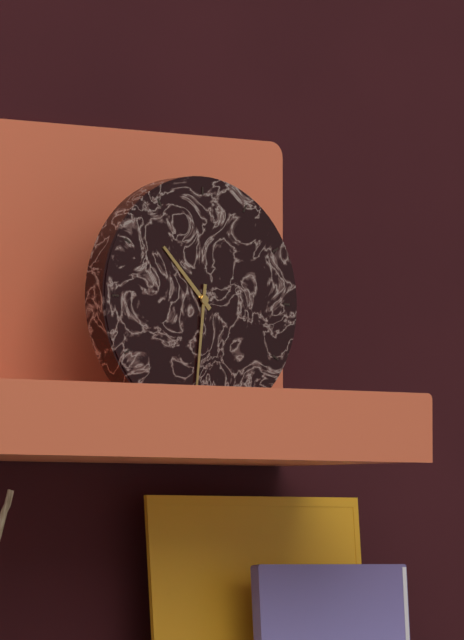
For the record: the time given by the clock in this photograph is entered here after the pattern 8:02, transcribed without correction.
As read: 10:31
